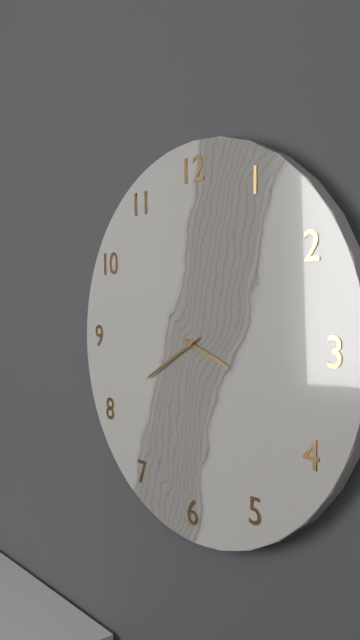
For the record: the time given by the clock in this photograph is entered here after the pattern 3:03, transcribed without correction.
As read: 3:40
